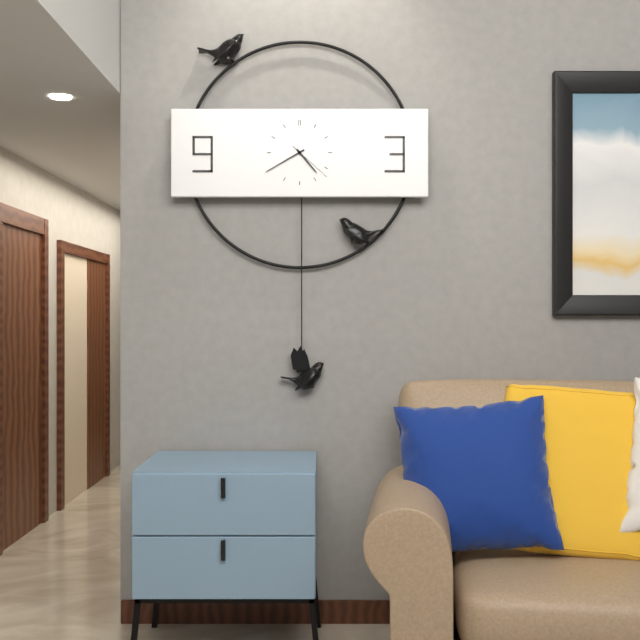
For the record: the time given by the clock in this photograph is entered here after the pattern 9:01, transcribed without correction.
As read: 4:40
